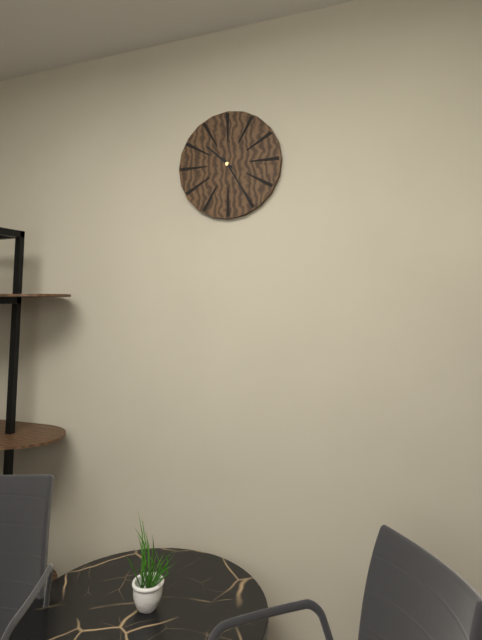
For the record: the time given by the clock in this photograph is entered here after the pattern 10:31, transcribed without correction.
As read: 10:25
